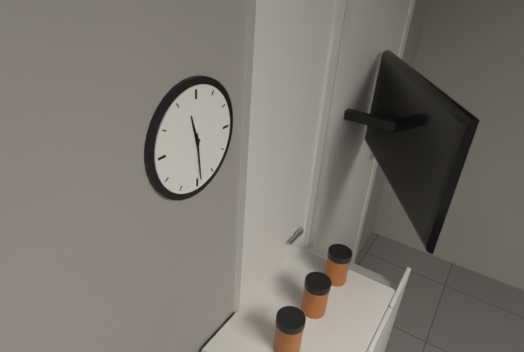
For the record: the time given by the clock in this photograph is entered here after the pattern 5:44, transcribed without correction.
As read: 11:29
